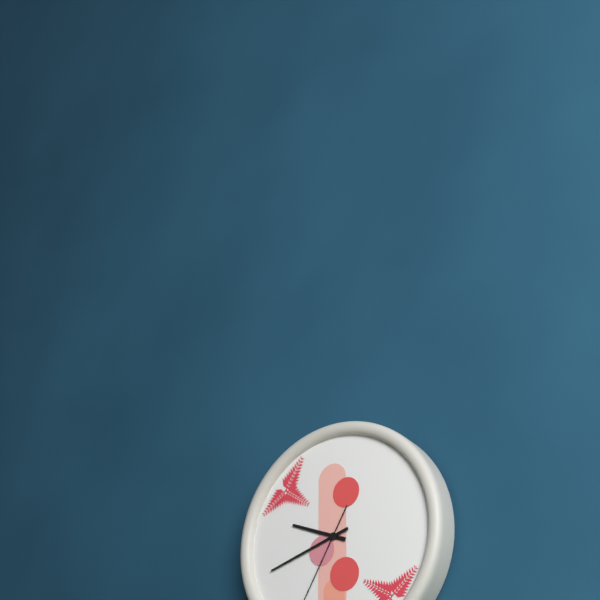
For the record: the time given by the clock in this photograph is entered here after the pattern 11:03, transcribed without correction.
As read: 9:42
